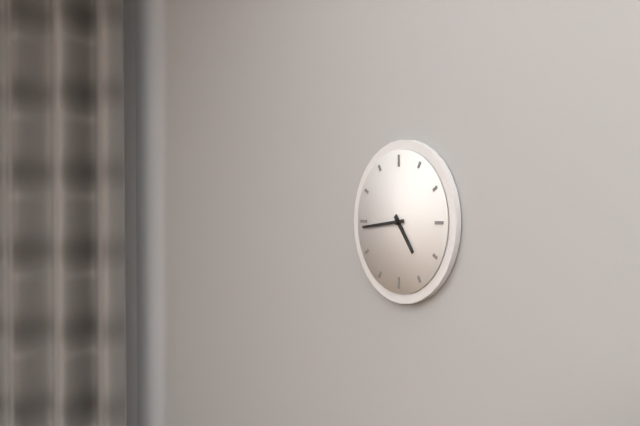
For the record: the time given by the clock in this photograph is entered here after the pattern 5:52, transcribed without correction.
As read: 4:44
